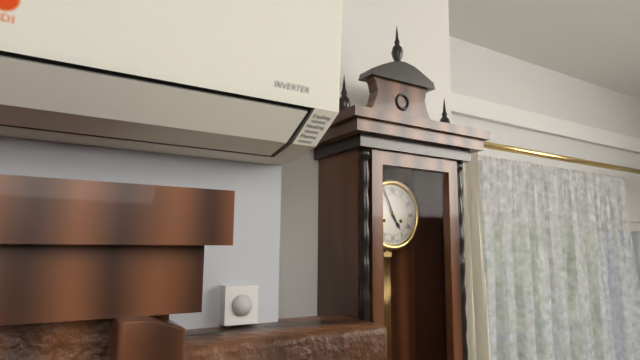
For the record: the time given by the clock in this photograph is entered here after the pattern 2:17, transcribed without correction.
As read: 4:56
